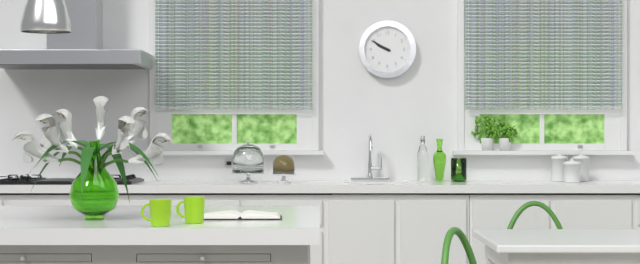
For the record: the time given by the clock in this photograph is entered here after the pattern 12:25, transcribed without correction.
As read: 9:50
